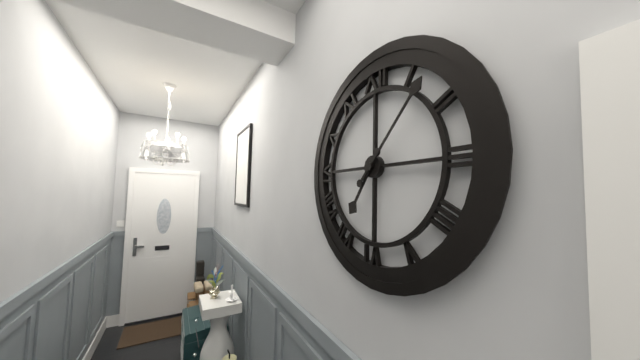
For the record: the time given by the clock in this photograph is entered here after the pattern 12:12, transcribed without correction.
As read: 7:07
